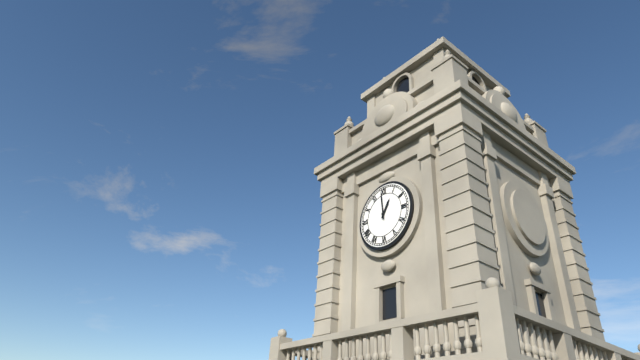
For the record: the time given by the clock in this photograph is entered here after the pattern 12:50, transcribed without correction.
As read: 12:59
